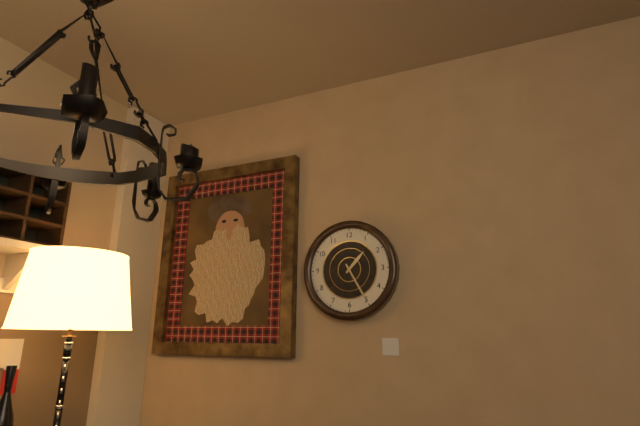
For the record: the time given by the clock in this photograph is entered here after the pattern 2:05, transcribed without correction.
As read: 1:25
